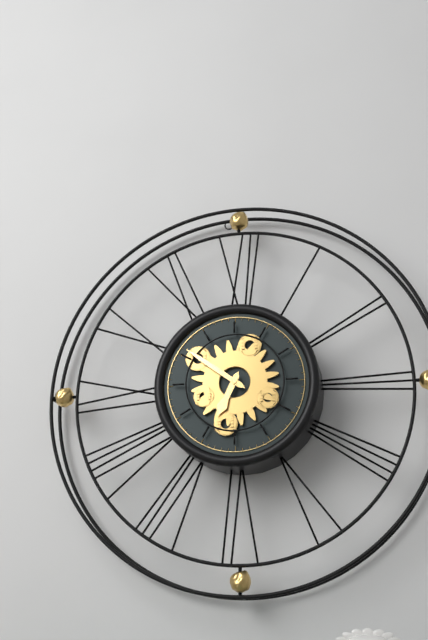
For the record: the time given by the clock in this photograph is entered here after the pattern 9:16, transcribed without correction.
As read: 6:51
